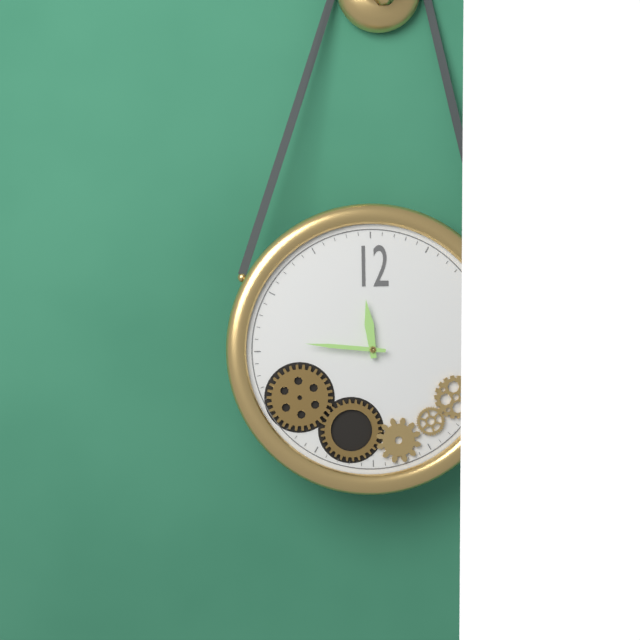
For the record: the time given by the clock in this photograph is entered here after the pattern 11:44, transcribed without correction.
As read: 11:46
